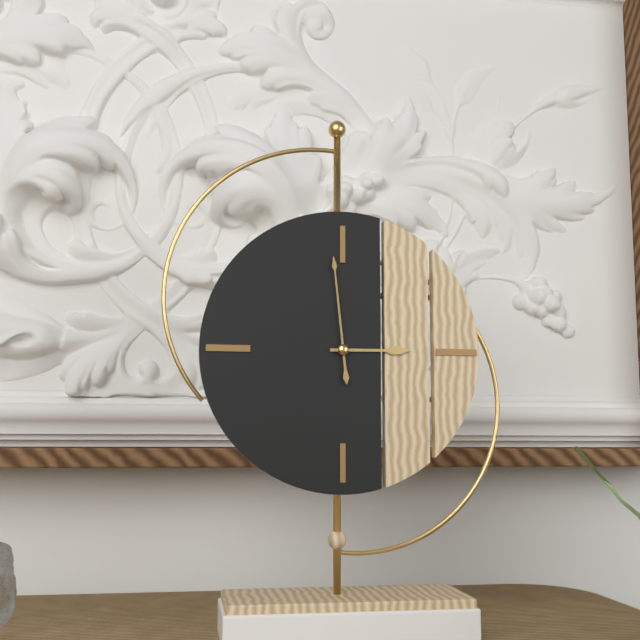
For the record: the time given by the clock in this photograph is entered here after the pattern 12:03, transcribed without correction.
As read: 2:59
